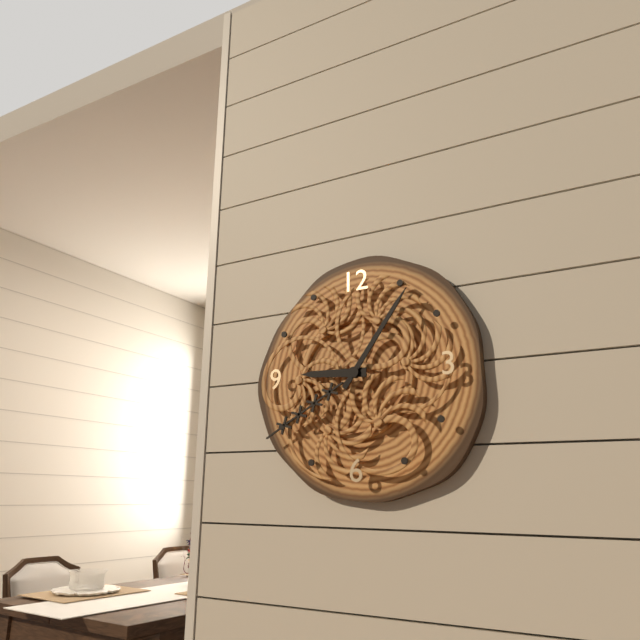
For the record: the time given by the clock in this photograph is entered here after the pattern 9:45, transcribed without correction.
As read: 9:06
